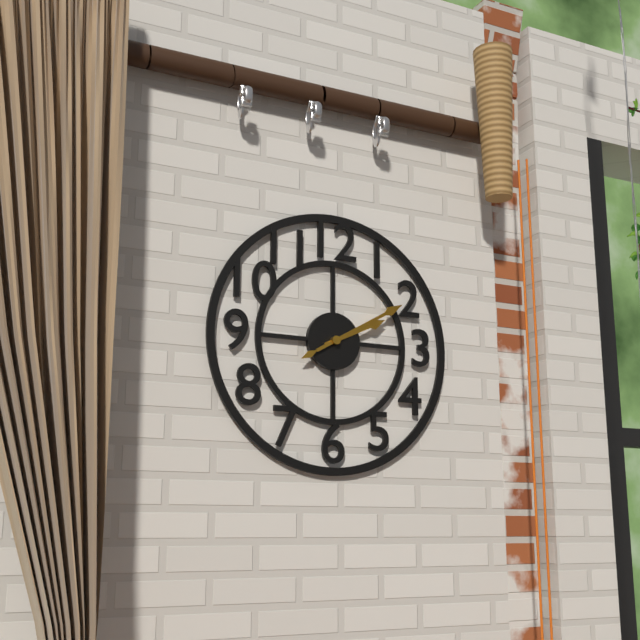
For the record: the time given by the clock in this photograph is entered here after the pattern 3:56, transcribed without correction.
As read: 2:10
